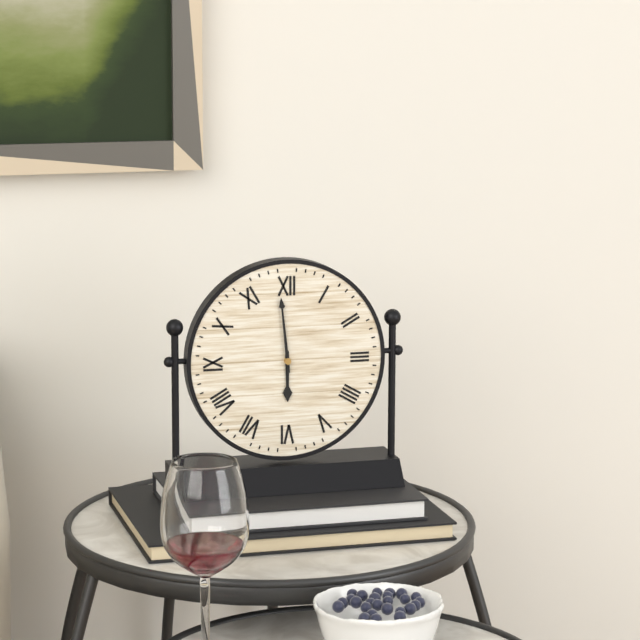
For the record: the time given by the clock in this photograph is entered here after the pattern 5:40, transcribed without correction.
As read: 5:59
